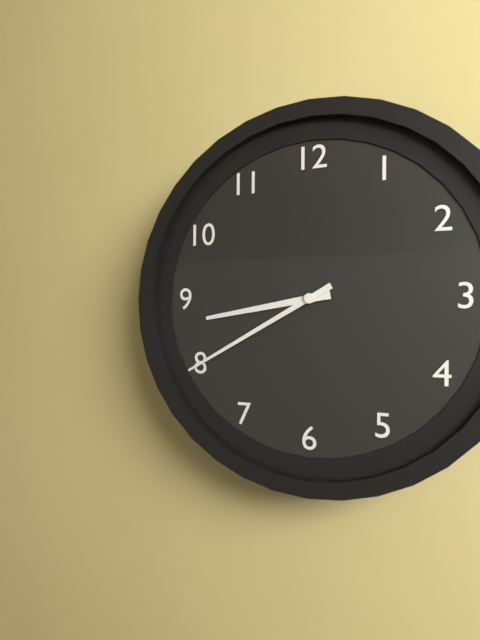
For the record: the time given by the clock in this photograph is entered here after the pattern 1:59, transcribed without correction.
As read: 8:40
